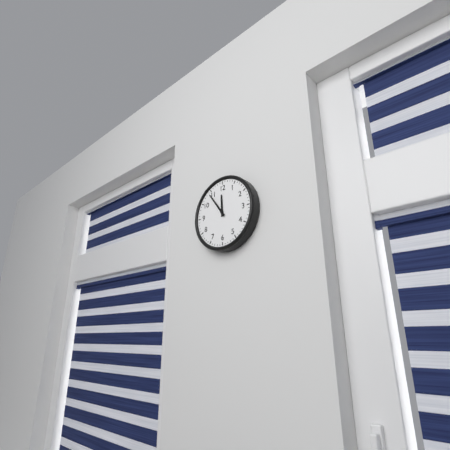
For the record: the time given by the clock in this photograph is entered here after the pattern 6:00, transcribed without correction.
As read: 11:54
